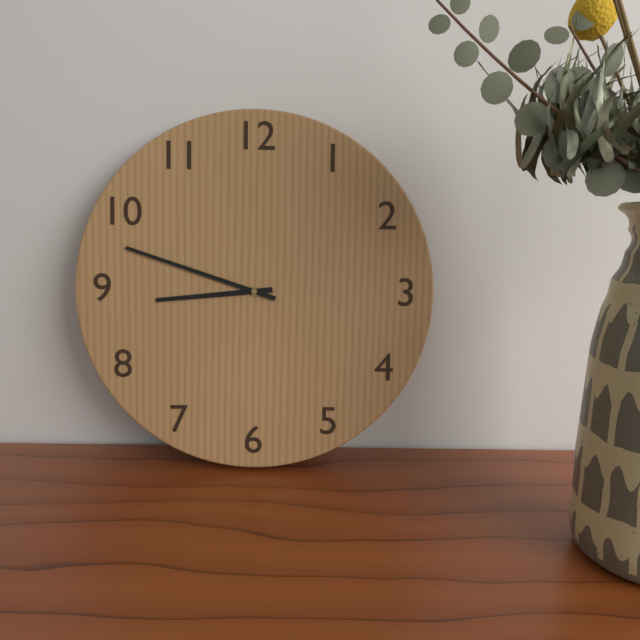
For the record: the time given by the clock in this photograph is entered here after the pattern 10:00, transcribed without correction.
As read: 8:48
